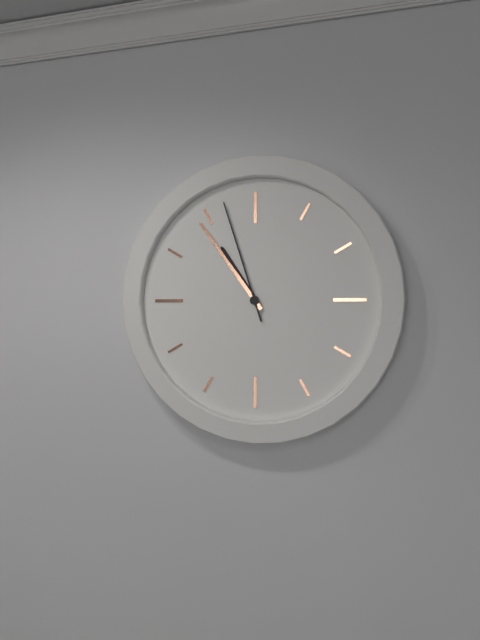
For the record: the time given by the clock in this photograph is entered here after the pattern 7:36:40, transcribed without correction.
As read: 10:54:57
